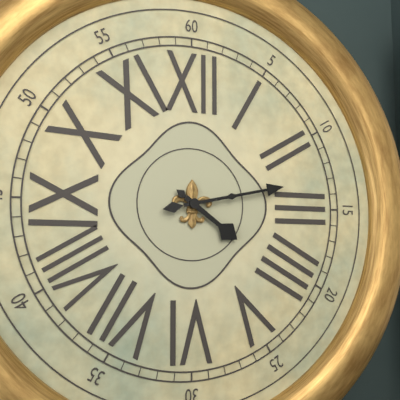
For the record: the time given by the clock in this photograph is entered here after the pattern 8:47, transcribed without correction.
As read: 4:13
